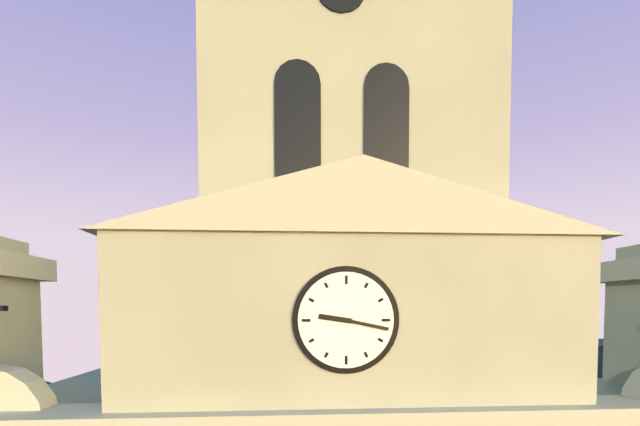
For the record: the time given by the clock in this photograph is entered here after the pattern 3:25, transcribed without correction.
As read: 9:17
